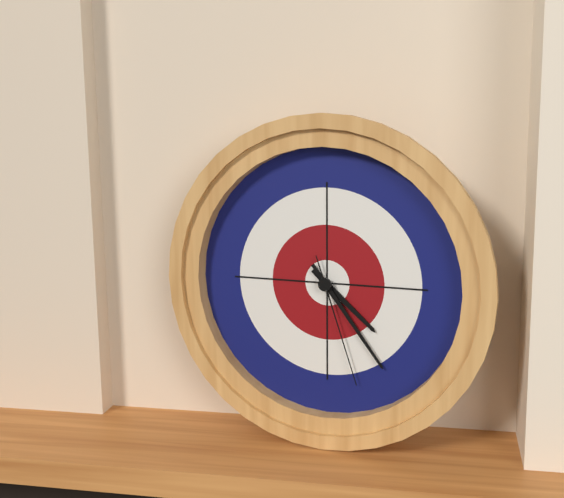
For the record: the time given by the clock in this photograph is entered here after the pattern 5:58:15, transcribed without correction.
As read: 4:24:27
